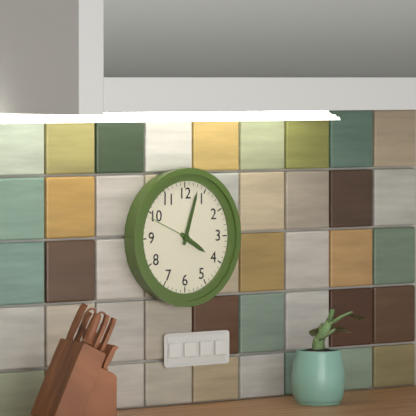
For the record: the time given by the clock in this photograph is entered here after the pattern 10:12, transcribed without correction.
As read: 4:03
